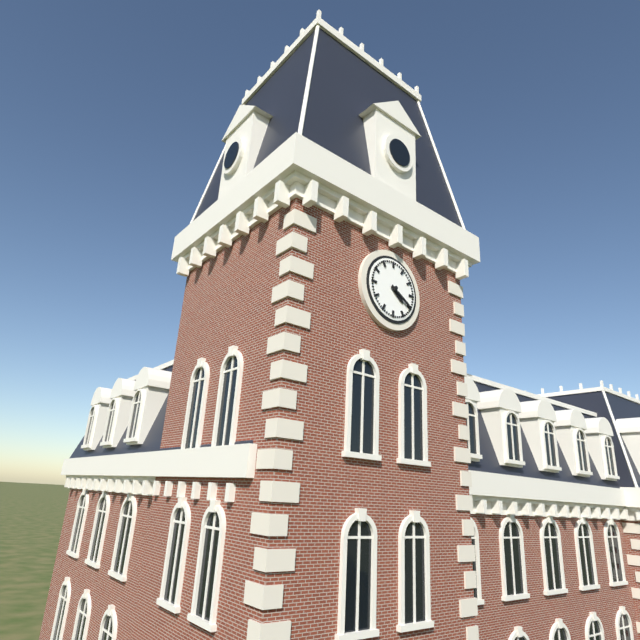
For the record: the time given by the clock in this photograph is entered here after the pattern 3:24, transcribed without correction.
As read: 4:20
